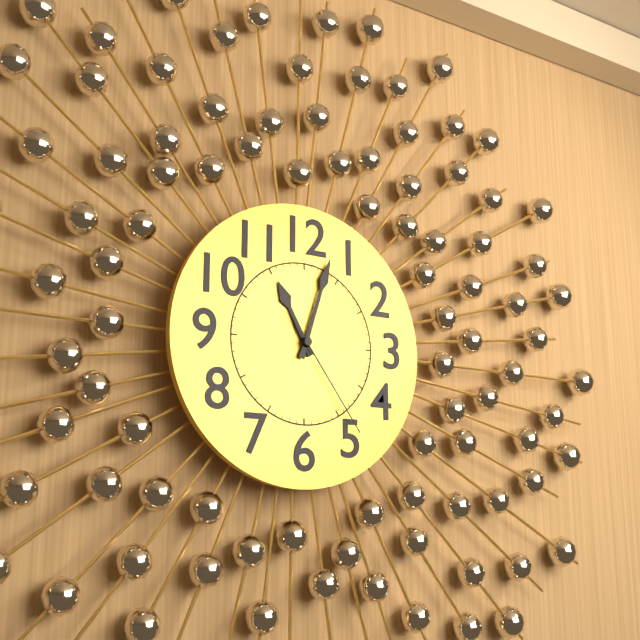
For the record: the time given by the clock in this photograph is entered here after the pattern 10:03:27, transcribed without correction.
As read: 11:03:24
